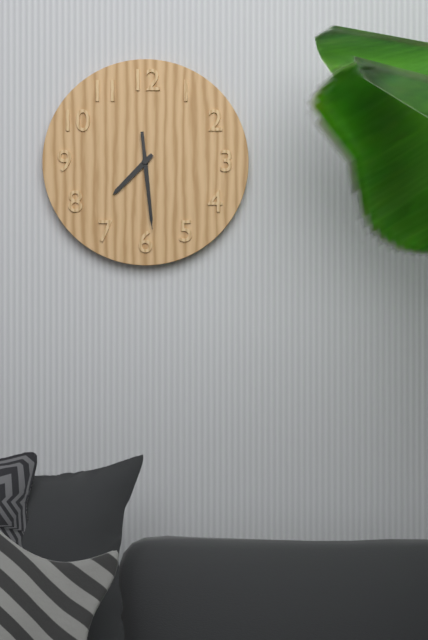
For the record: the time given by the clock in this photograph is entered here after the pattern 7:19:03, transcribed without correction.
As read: 7:29:29
